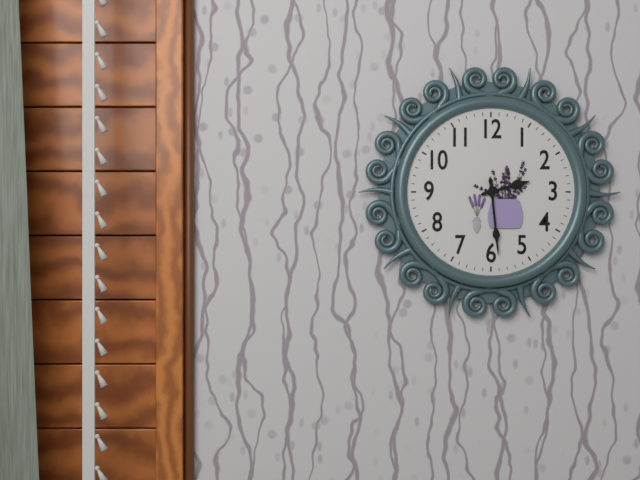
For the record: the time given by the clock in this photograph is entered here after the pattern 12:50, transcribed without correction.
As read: 2:29
